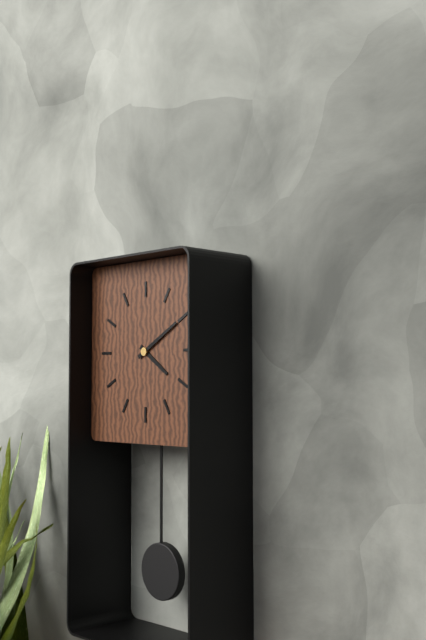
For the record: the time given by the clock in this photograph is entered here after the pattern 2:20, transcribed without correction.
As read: 4:10
